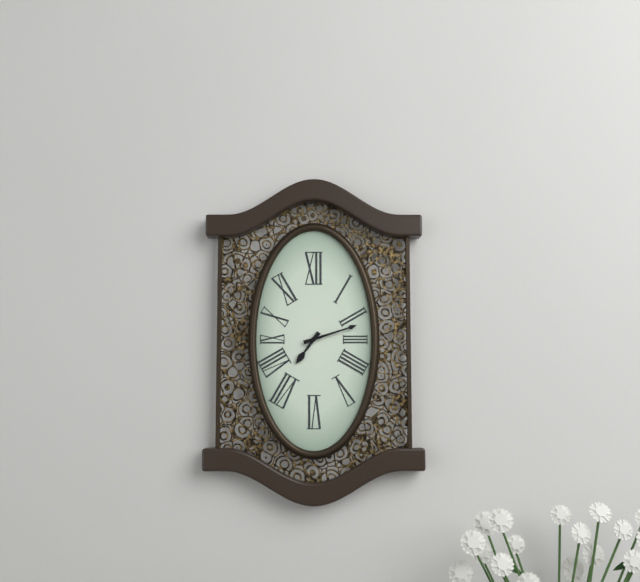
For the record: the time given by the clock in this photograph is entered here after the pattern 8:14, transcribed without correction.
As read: 7:12
